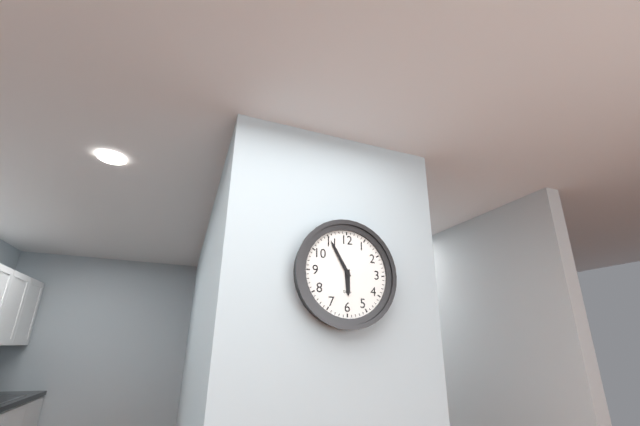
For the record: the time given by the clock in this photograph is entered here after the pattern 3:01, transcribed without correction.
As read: 5:55
